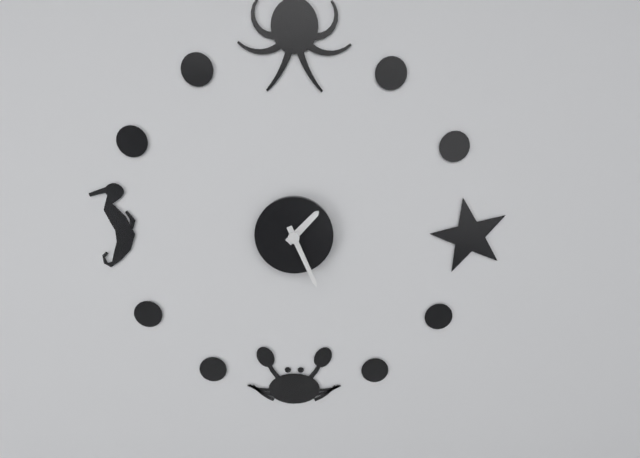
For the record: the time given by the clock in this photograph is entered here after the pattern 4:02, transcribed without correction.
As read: 1:26
